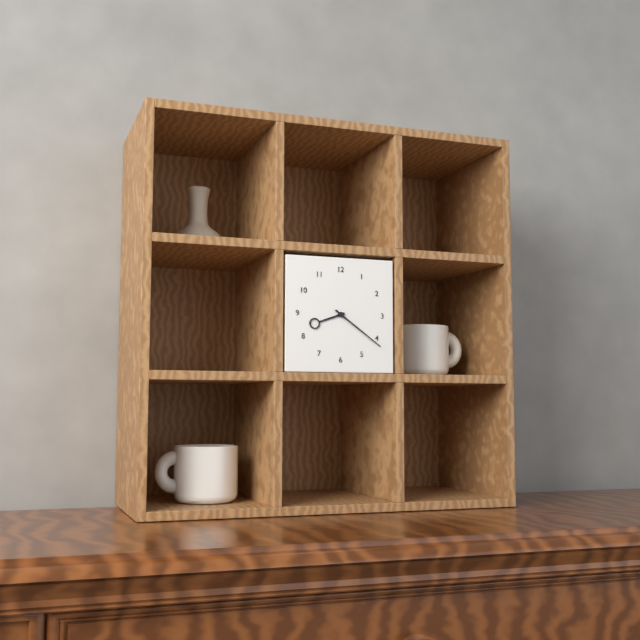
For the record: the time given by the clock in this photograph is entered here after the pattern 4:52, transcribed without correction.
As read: 8:21
